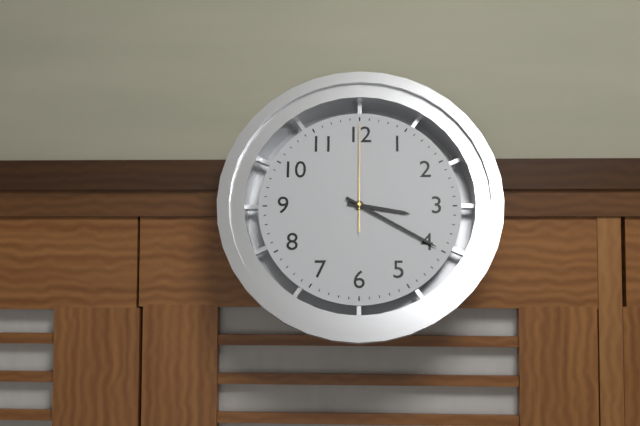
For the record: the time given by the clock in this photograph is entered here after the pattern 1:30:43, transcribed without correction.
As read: 3:20:00
